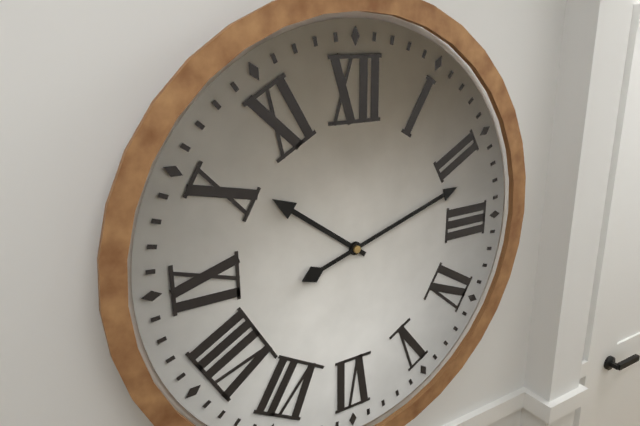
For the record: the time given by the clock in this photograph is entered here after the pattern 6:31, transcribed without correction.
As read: 10:12
